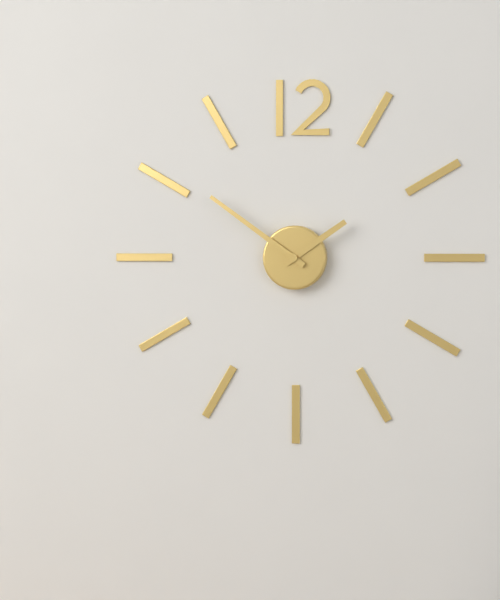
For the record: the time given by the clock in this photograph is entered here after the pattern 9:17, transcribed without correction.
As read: 1:51
